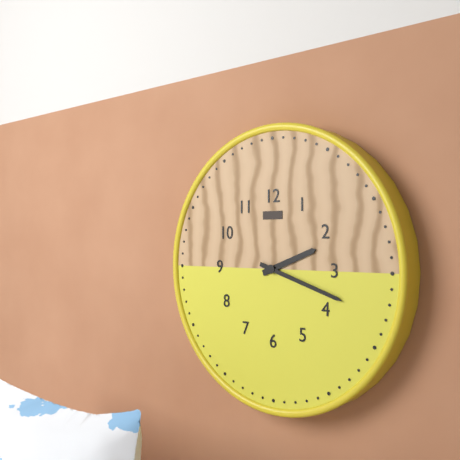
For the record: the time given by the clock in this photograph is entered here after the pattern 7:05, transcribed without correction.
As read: 2:18
